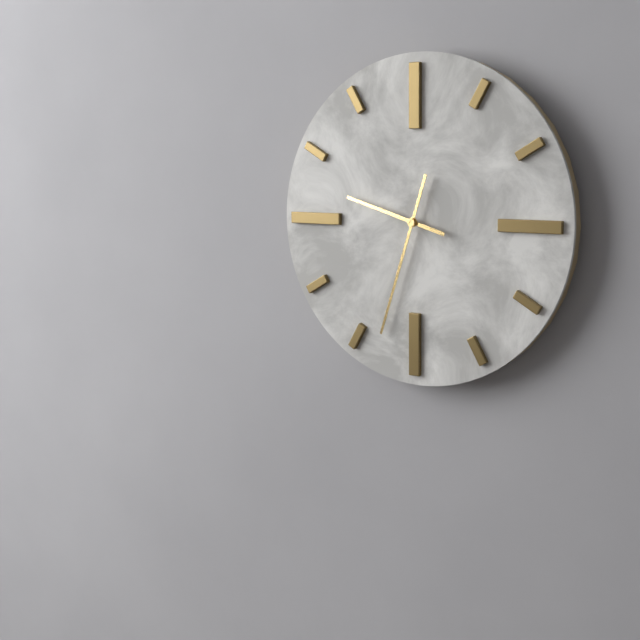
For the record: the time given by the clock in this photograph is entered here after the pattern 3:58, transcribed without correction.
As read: 9:33
